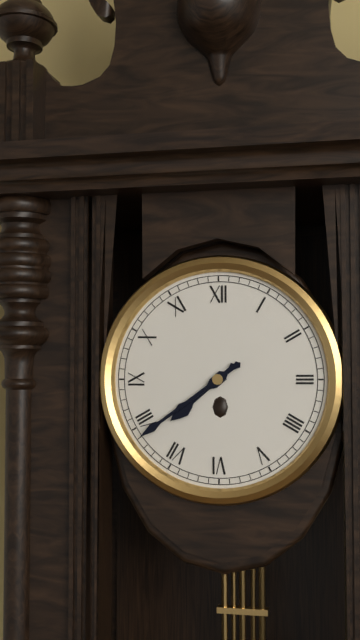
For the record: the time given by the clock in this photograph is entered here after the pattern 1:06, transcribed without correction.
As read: 7:39
